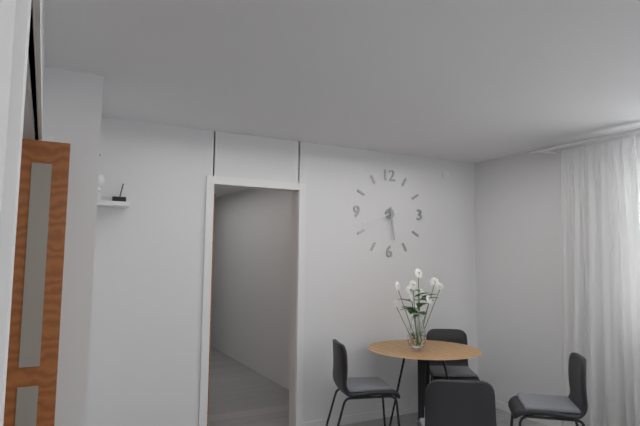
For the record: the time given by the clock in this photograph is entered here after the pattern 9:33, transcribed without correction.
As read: 5:42
